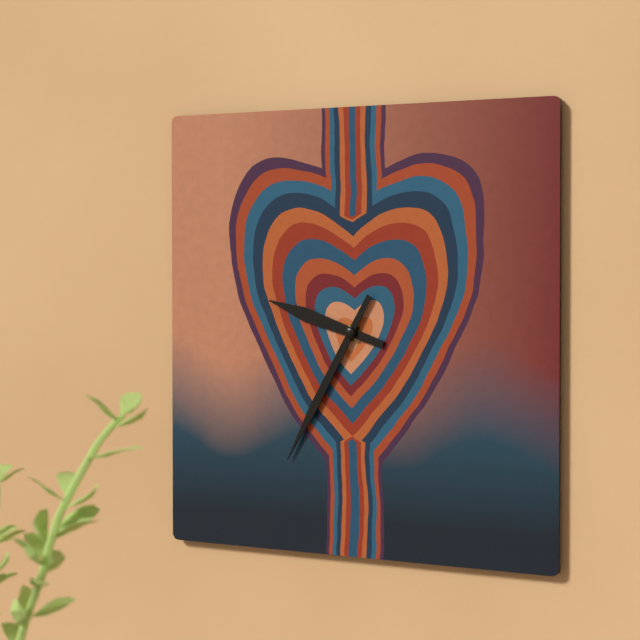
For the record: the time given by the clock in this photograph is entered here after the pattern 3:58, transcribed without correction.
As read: 9:35
